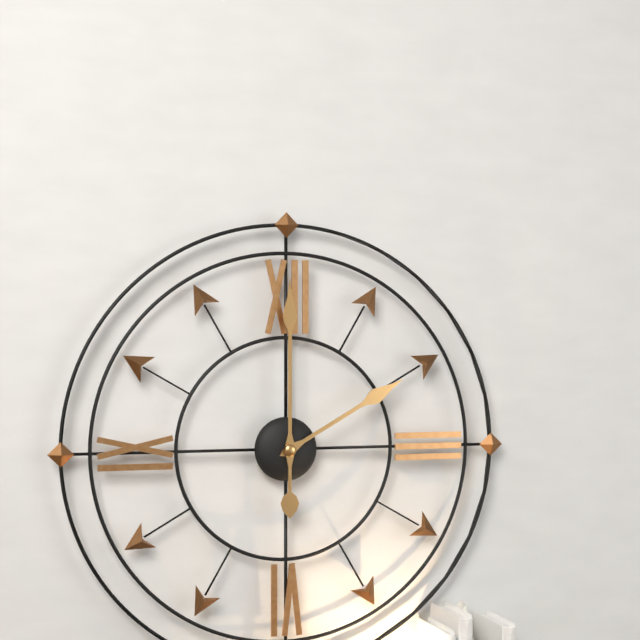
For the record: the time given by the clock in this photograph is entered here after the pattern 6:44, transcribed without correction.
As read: 2:00
